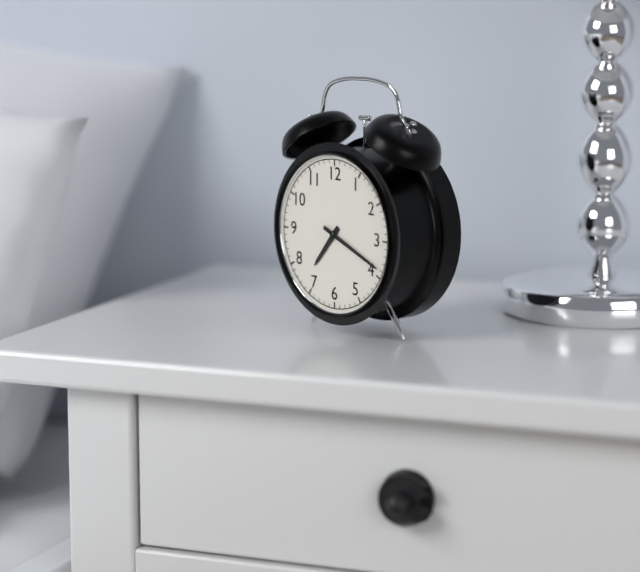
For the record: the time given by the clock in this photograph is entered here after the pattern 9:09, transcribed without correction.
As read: 7:19
